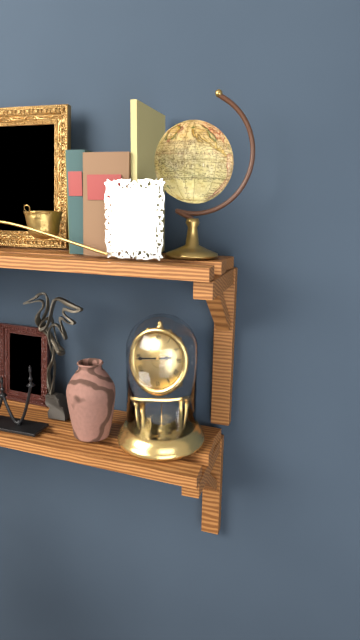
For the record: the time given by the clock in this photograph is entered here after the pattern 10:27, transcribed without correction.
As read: 2:44
